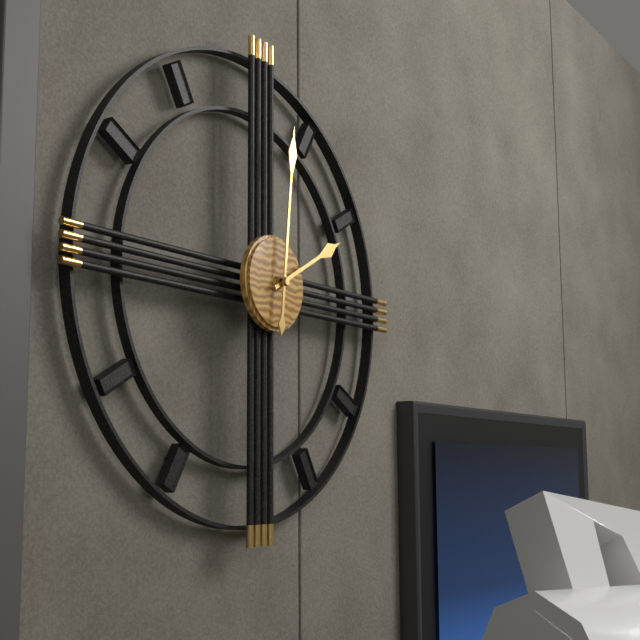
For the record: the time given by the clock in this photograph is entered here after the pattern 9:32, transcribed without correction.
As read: 2:01
